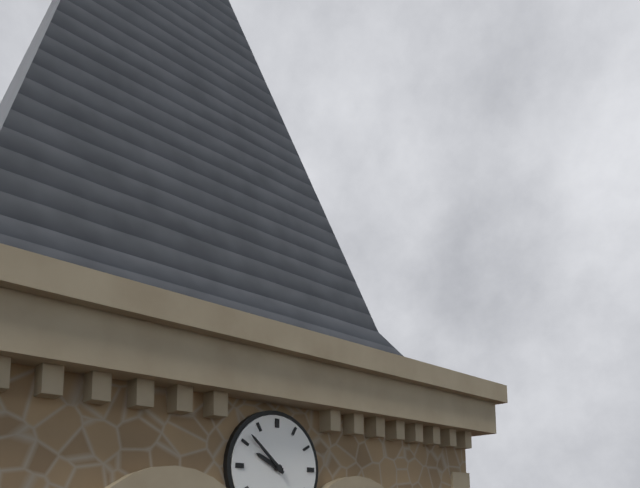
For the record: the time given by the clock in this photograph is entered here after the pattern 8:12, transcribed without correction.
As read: 9:52
